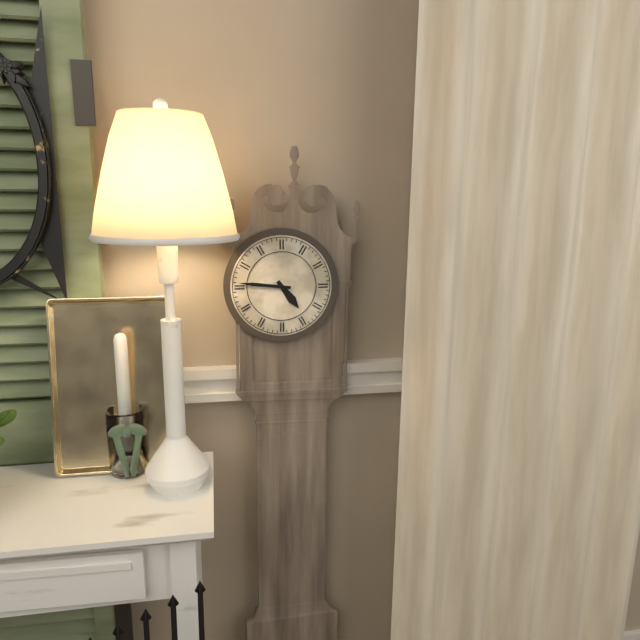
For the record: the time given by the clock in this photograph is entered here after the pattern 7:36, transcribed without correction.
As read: 4:46
